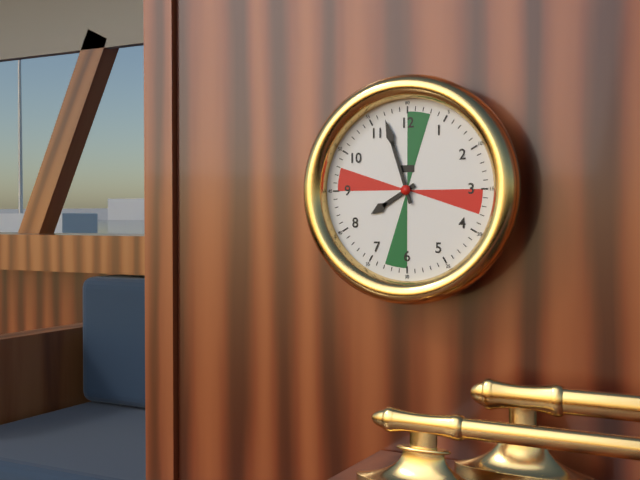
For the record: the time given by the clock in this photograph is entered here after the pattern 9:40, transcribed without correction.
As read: 7:57
